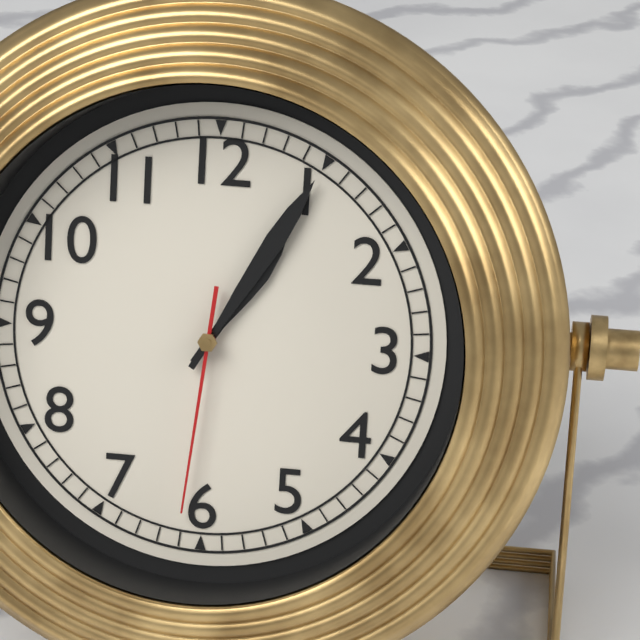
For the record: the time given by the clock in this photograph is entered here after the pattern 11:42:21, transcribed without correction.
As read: 1:05:31
